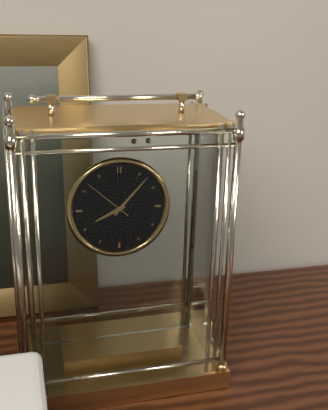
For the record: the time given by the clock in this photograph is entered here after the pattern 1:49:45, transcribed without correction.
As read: 8:07:52
